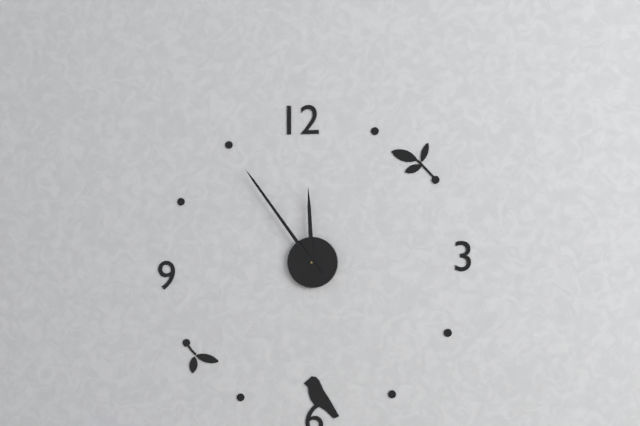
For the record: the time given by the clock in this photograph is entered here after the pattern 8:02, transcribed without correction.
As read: 11:54
